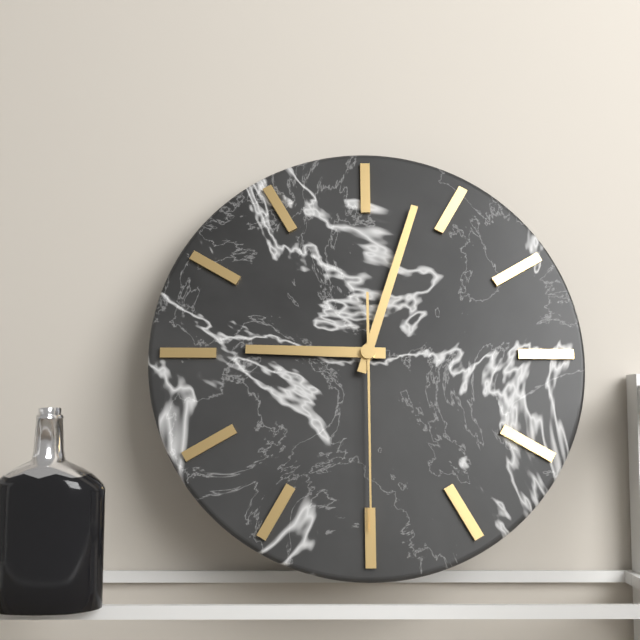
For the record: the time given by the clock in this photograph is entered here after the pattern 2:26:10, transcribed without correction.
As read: 9:03:30
